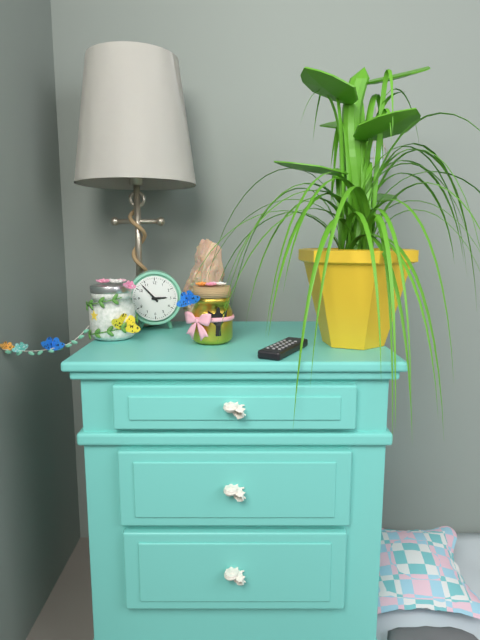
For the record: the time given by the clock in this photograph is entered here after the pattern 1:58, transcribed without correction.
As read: 2:53
